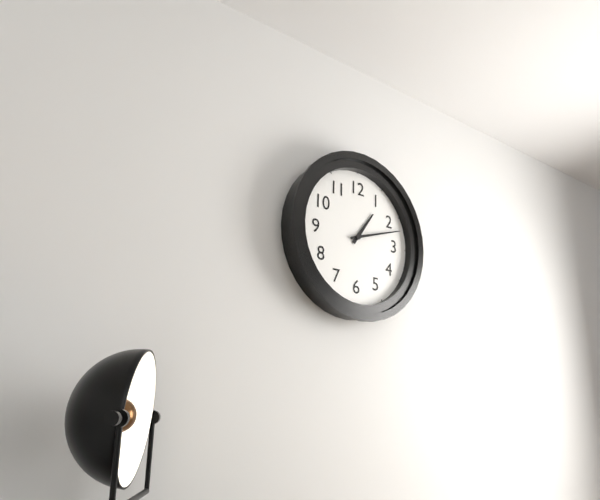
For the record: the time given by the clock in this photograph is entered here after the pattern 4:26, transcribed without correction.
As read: 1:12
